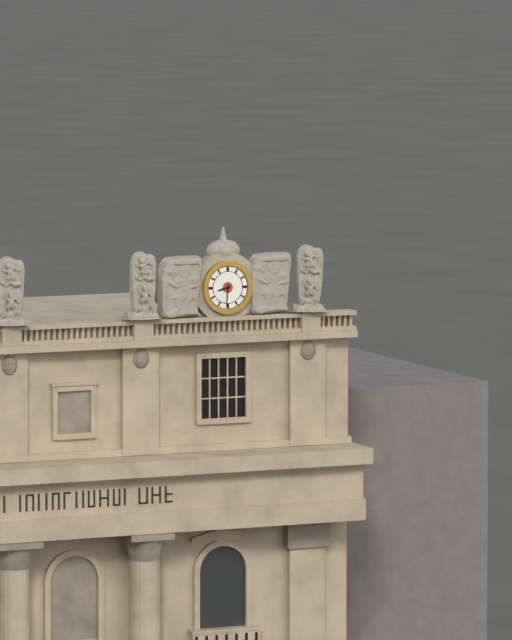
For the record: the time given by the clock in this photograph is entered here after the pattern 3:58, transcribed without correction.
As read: 8:31
